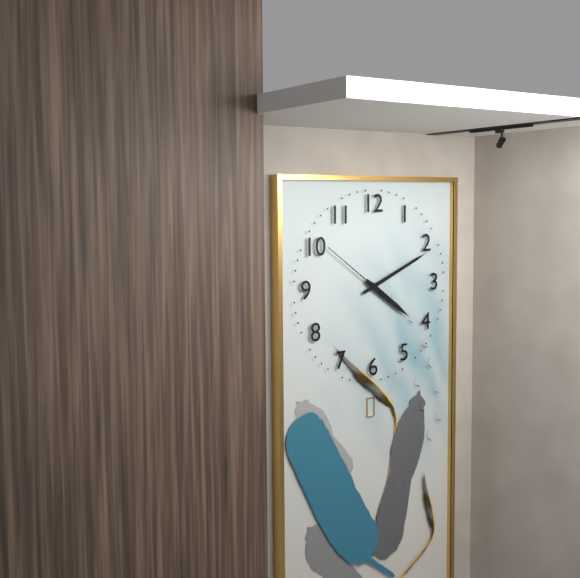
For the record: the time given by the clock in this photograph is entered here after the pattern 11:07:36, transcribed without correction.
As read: 4:11:51
